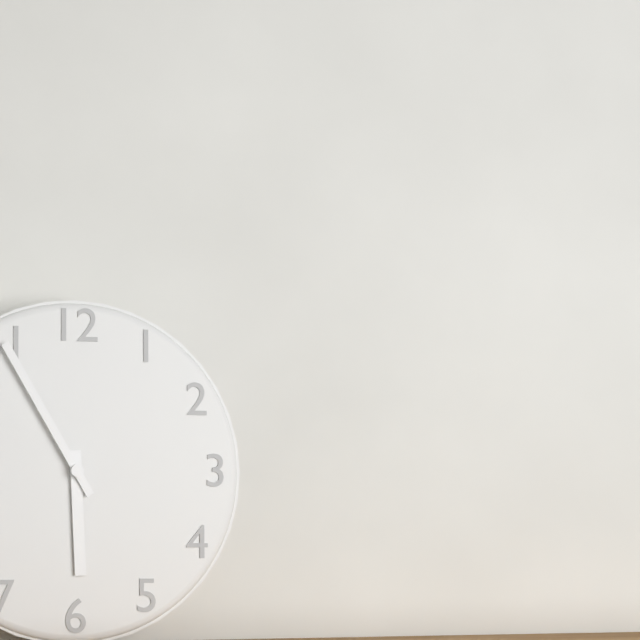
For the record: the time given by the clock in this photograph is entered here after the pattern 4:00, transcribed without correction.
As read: 5:55
